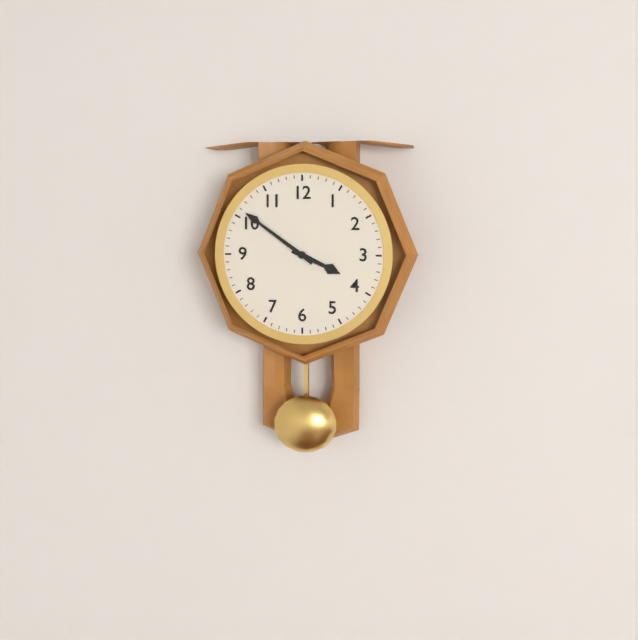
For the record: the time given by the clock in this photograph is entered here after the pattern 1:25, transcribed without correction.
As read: 3:51
